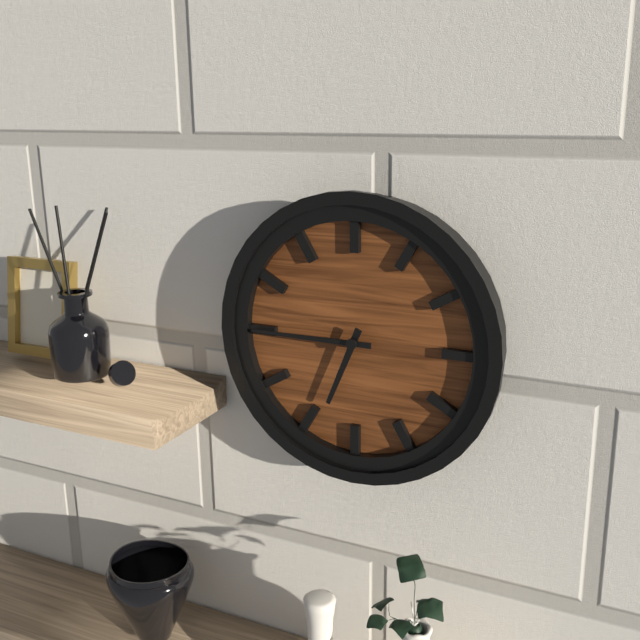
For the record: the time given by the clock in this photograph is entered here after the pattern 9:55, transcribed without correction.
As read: 6:45
